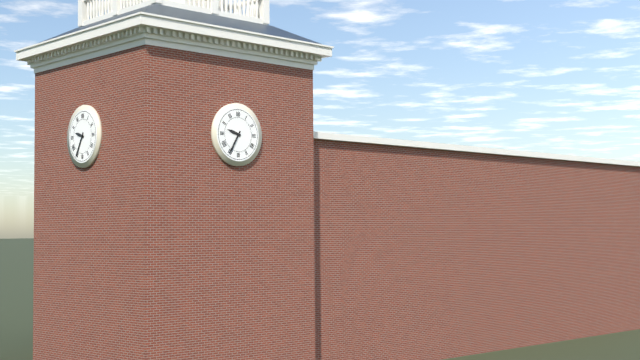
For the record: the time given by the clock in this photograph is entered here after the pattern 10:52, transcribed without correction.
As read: 9:35
